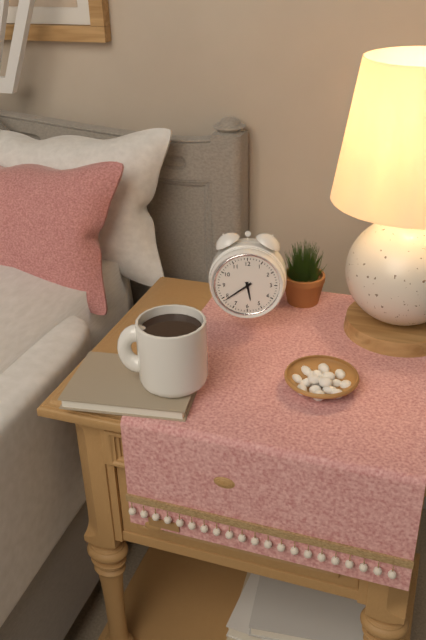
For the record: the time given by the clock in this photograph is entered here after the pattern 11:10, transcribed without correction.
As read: 5:39
